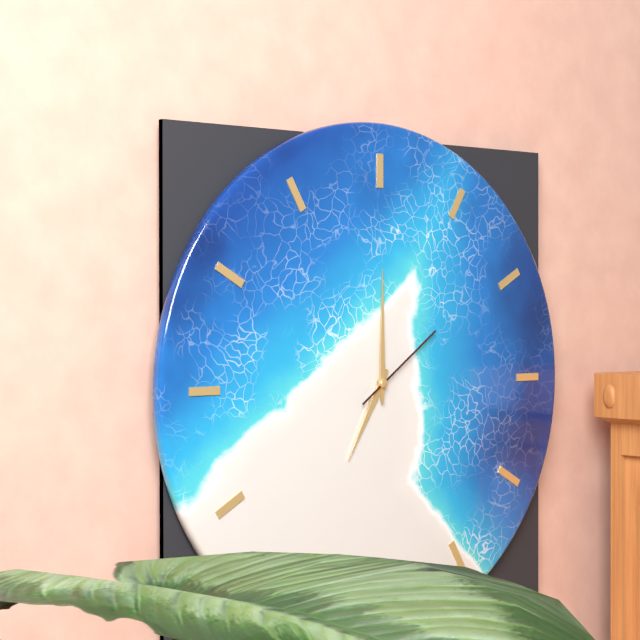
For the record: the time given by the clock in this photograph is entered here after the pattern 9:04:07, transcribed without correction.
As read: 7:00:09
